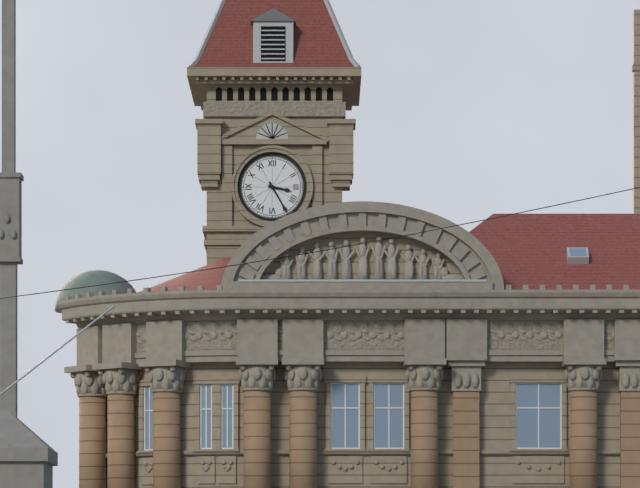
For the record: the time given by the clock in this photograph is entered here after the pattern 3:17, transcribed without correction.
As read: 3:25
